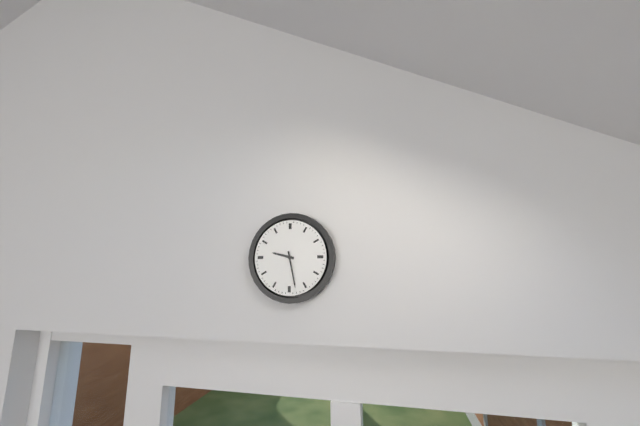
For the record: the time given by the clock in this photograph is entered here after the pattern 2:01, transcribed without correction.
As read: 9:28
